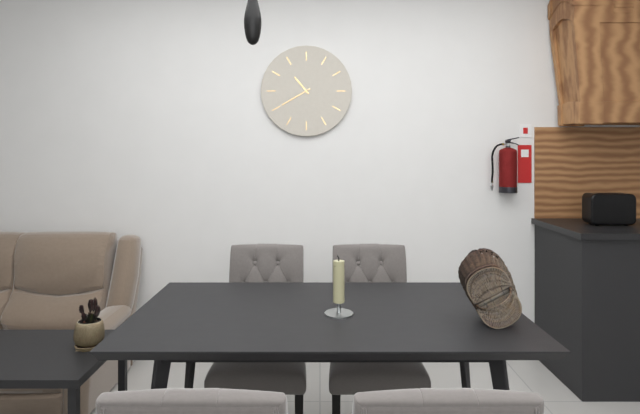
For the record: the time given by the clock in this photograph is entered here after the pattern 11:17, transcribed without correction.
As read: 10:40
